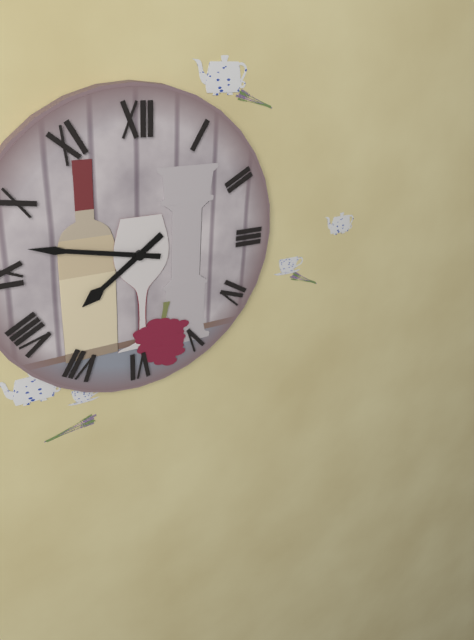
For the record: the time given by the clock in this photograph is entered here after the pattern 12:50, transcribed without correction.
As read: 7:47
